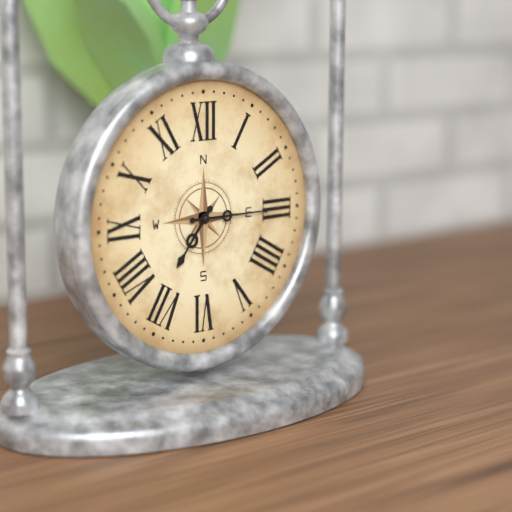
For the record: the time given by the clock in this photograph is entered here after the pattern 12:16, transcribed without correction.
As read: 7:15
